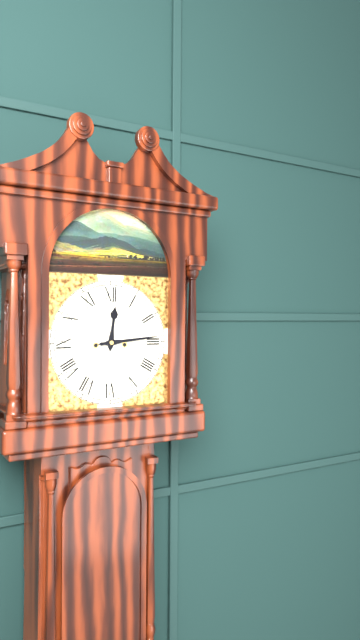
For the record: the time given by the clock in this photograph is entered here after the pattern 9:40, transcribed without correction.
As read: 12:14
